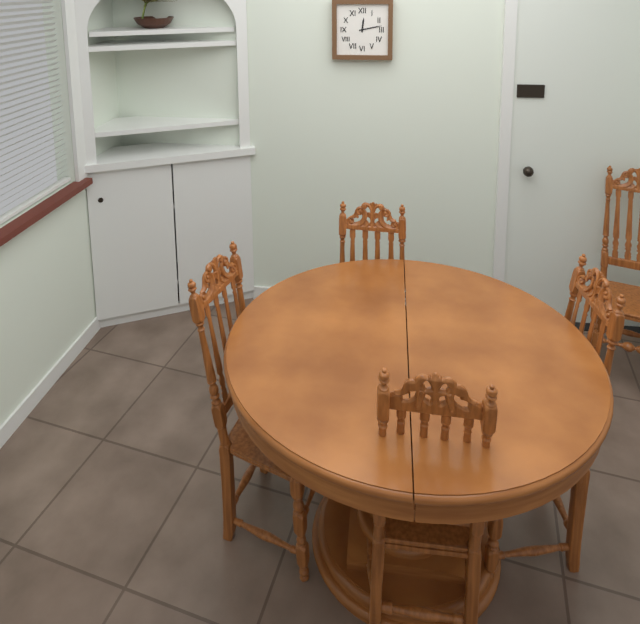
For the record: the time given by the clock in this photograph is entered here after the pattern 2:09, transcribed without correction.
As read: 12:13
